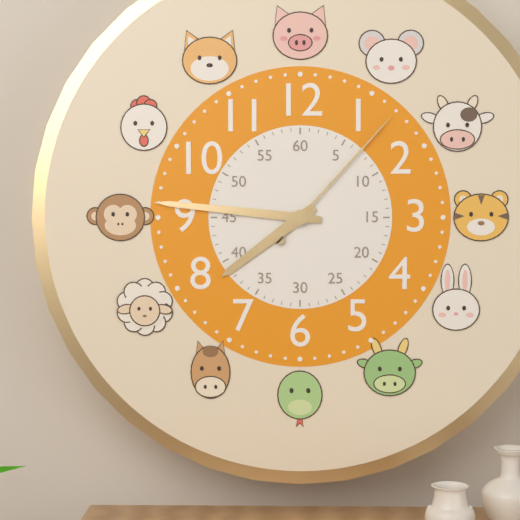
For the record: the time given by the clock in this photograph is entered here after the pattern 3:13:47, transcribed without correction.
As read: 7:46:07
